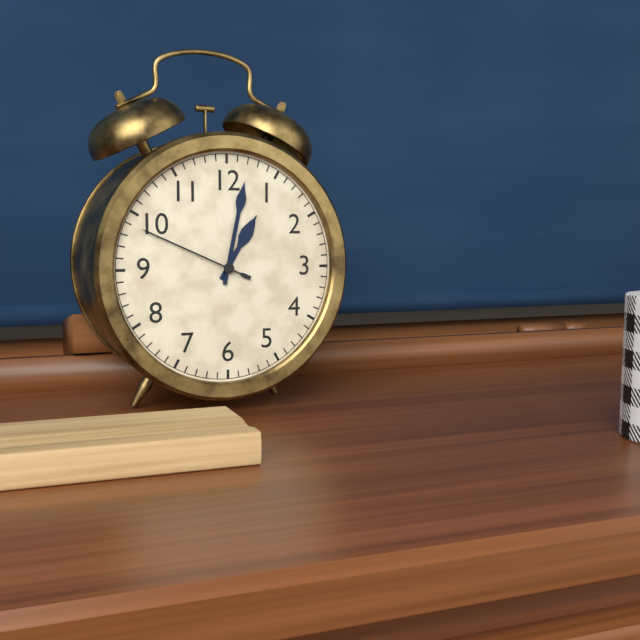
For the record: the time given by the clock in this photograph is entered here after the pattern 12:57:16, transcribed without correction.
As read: 1:02:49
